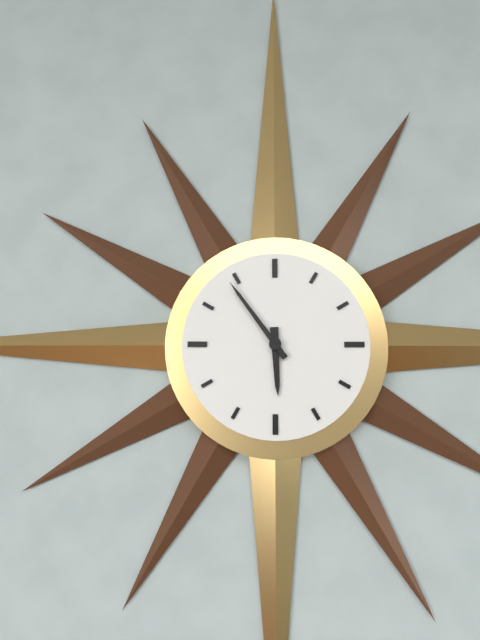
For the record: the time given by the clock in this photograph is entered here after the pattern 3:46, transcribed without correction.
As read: 5:54
